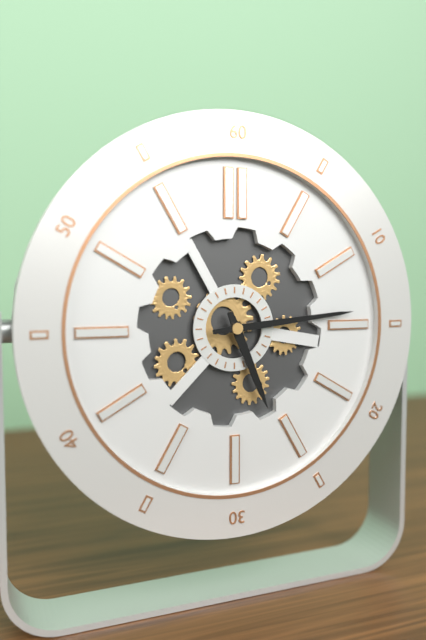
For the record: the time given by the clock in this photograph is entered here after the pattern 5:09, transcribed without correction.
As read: 5:14
